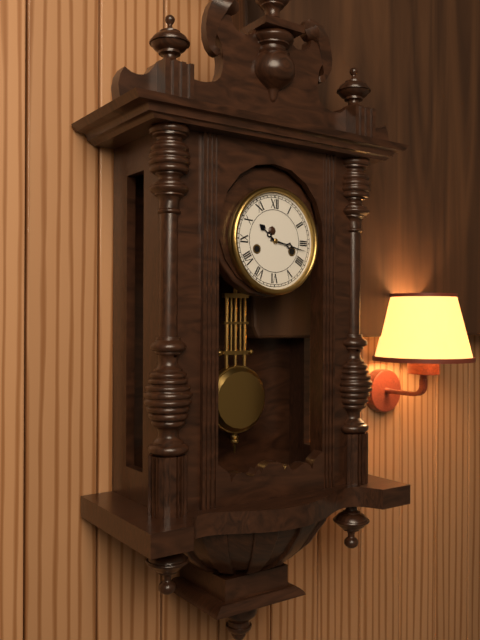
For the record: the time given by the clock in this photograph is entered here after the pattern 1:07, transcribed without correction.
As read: 10:17
